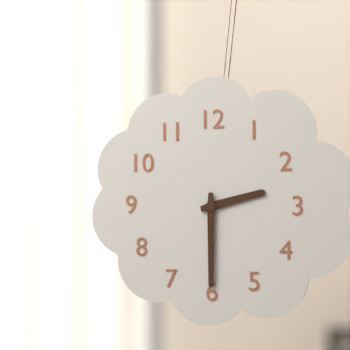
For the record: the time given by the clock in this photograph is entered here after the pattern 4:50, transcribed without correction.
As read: 2:30
